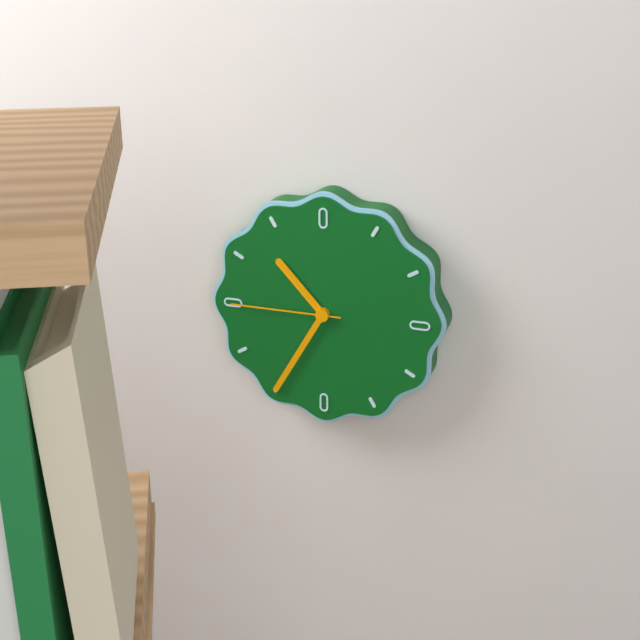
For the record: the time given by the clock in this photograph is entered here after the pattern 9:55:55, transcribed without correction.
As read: 10:35:45
